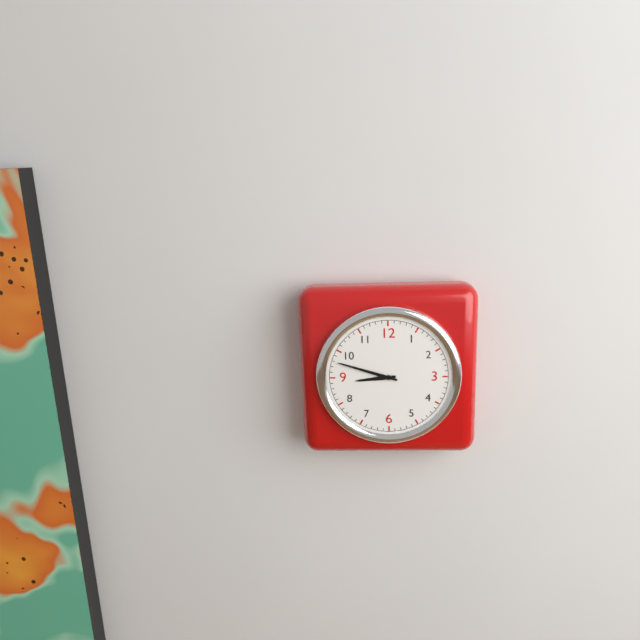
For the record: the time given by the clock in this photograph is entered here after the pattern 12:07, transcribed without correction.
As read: 8:48
